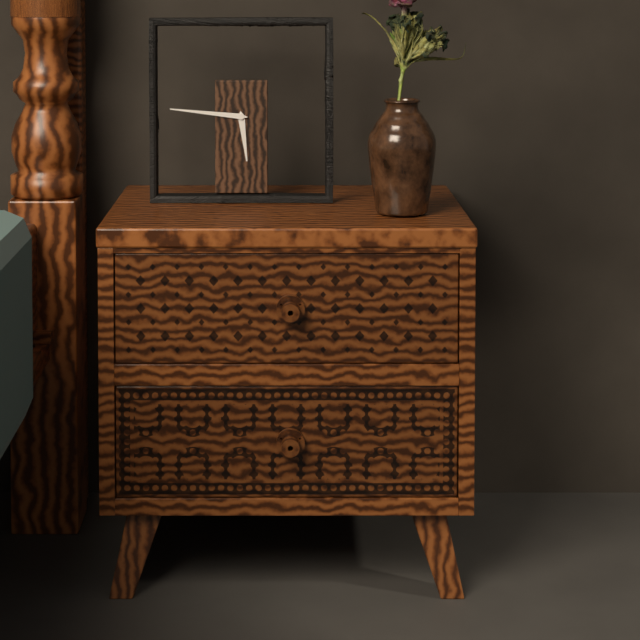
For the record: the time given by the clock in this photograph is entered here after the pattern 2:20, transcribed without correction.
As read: 5:46
